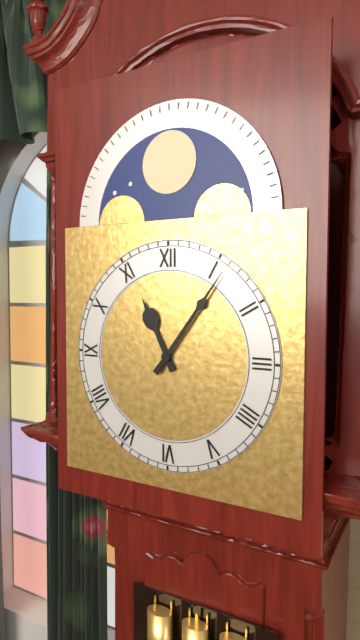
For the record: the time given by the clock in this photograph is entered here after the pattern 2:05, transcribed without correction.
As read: 11:06
